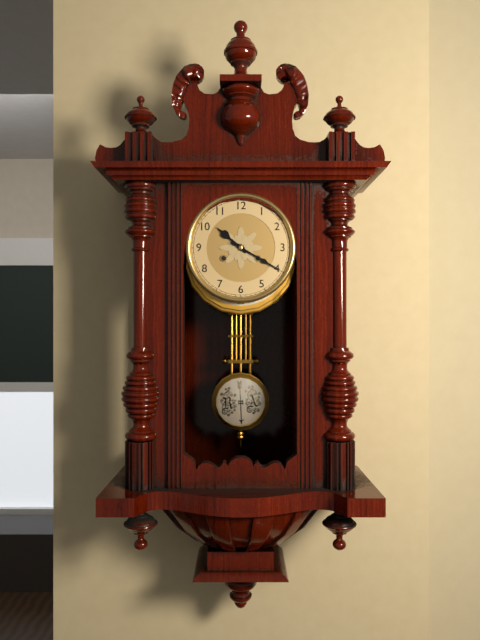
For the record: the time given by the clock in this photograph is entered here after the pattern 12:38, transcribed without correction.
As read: 10:20
